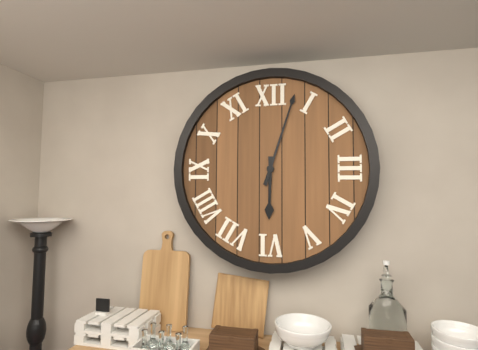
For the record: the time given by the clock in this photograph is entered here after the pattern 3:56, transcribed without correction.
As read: 6:03
